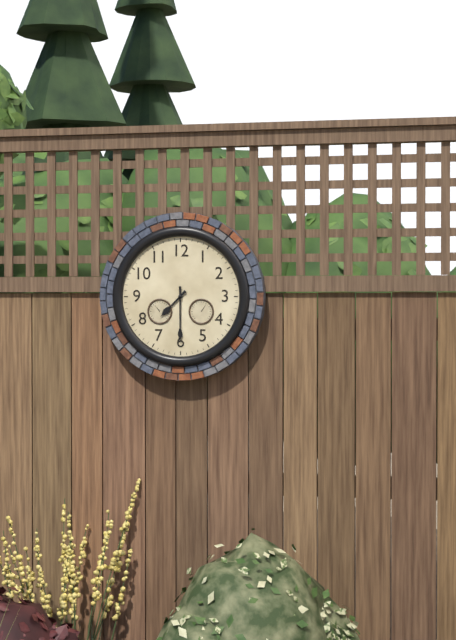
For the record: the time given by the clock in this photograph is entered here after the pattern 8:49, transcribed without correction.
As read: 7:30
